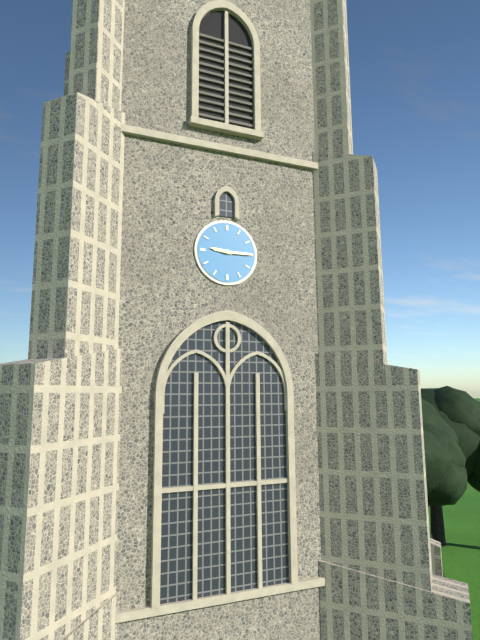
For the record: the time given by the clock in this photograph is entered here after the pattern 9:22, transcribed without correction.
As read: 9:15
